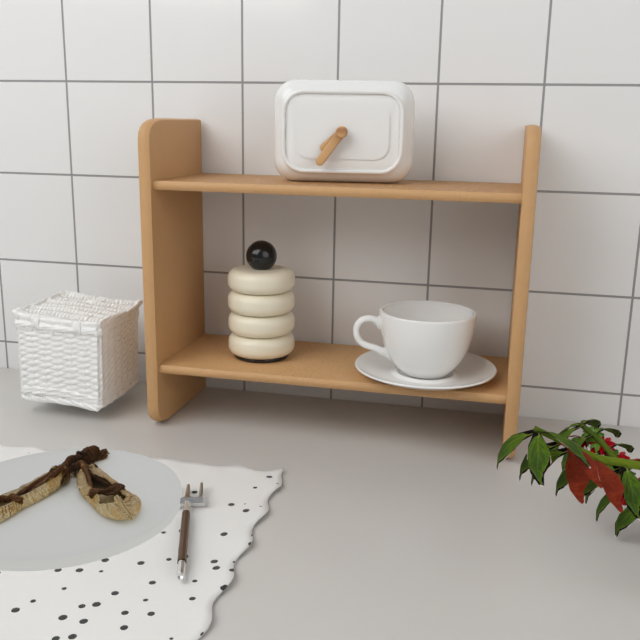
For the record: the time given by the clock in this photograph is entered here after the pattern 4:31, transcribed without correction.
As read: 7:36
